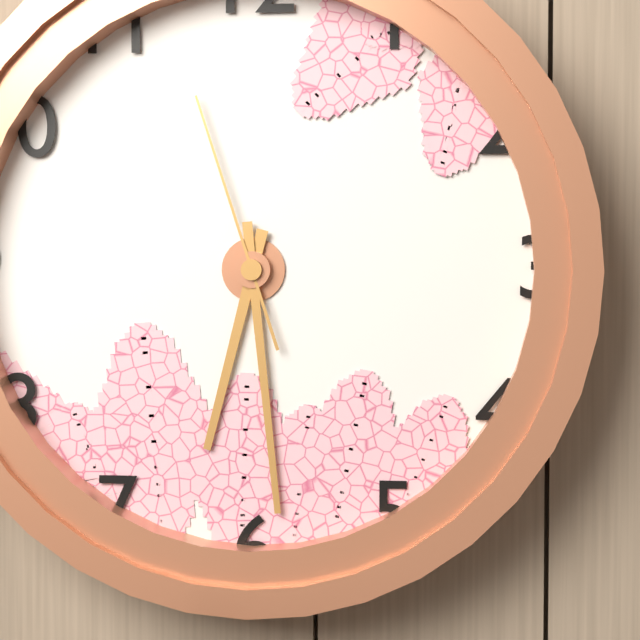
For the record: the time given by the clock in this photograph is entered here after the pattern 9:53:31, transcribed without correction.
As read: 6:29:57
